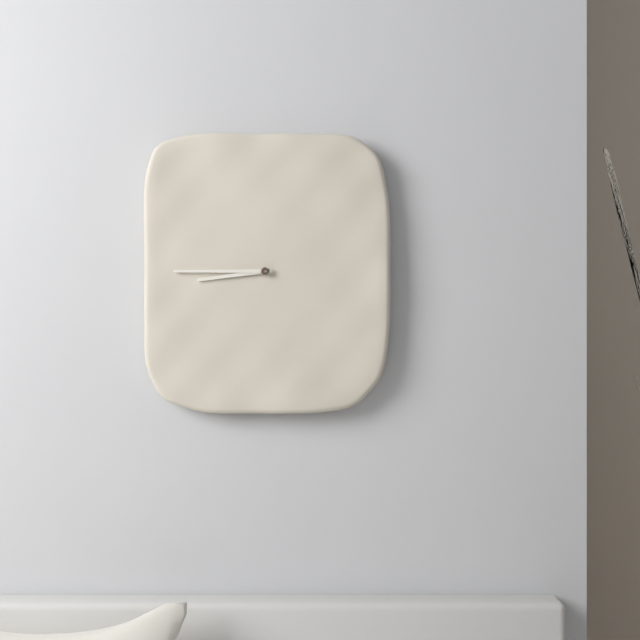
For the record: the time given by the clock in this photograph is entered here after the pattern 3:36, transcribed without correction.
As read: 8:45
